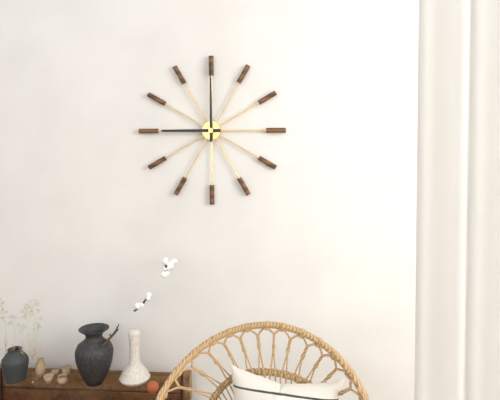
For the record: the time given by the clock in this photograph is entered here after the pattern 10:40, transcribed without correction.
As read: 9:00
